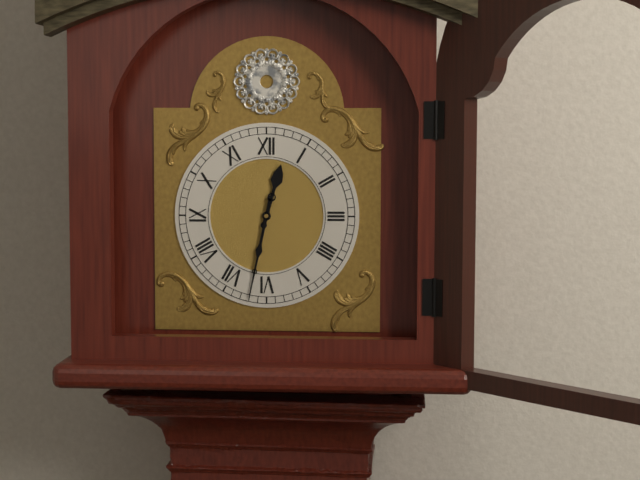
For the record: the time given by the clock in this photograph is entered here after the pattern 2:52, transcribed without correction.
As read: 12:32
